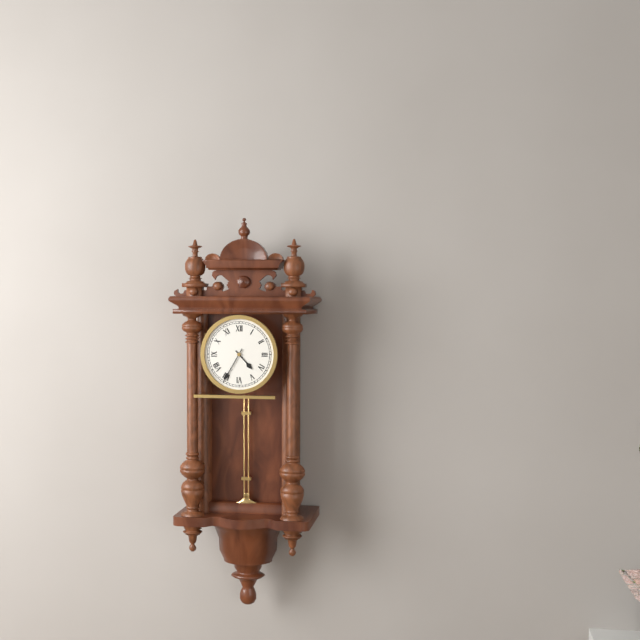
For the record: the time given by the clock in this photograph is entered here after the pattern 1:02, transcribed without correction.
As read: 4:35
